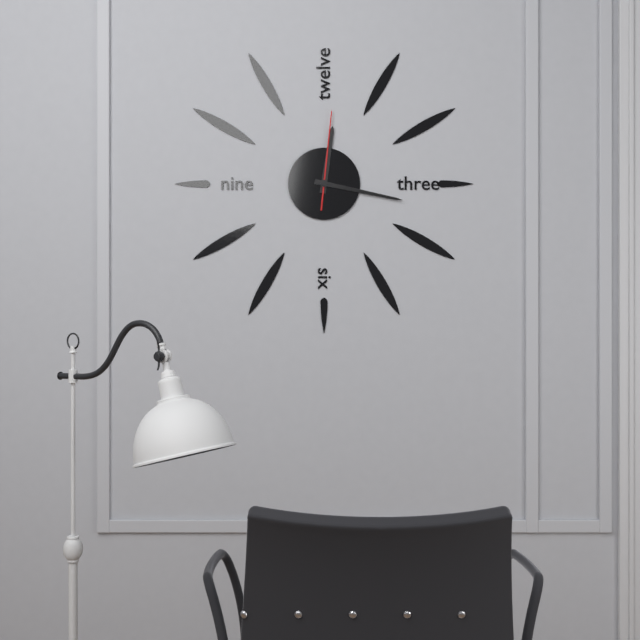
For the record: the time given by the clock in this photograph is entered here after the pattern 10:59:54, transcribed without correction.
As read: 12:17:01
